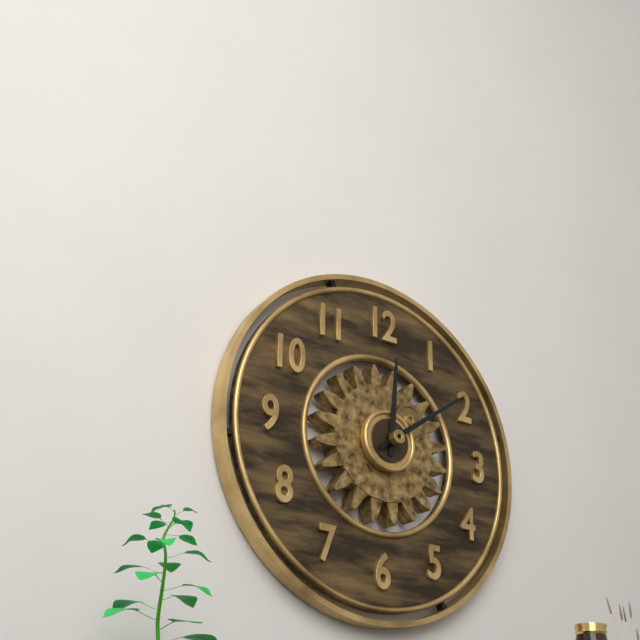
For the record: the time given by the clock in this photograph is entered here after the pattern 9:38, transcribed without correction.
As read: 12:09
